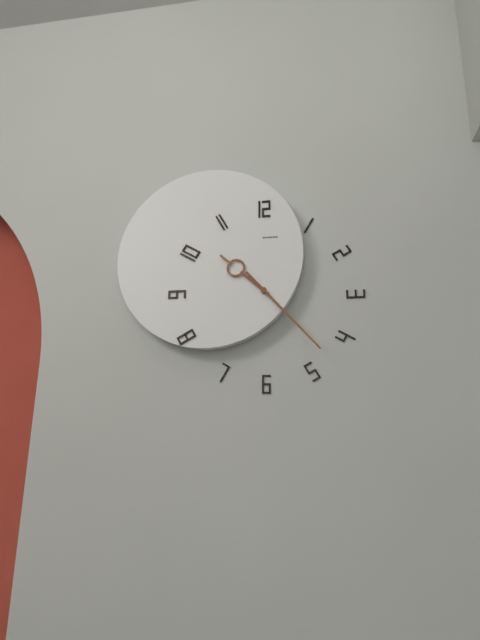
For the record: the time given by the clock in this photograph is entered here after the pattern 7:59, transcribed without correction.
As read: 10:23
